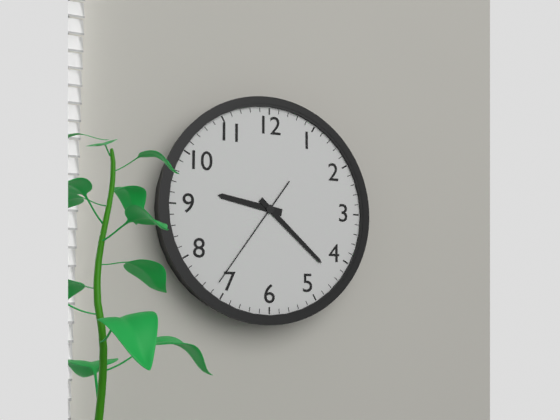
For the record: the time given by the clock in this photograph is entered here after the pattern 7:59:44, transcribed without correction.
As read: 9:22:36
